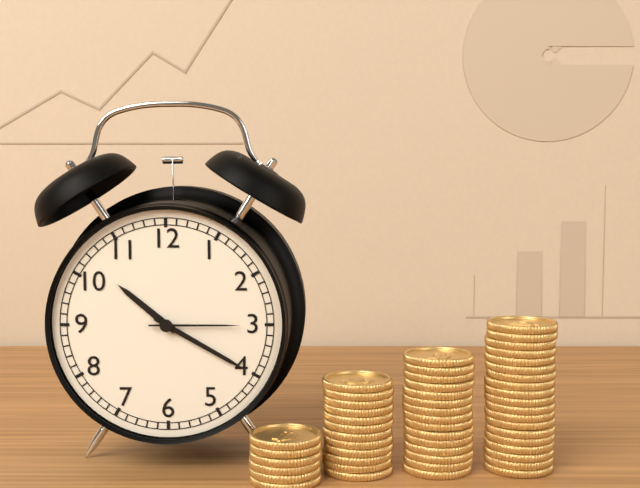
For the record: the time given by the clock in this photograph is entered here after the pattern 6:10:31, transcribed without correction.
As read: 10:20:15
